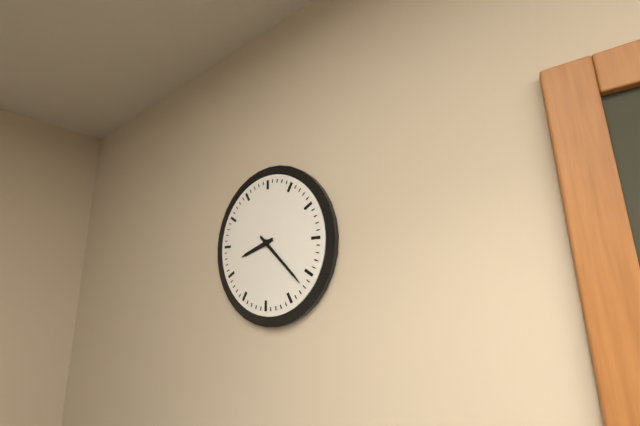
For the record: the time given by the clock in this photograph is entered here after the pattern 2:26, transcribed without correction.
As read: 8:22
